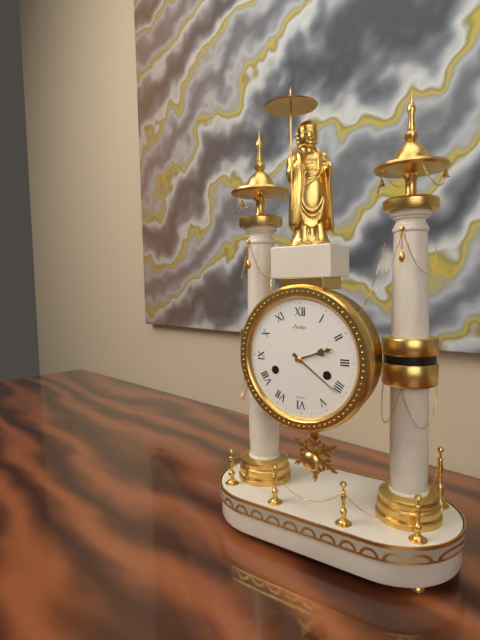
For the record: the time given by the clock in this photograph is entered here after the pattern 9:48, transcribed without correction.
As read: 2:21
